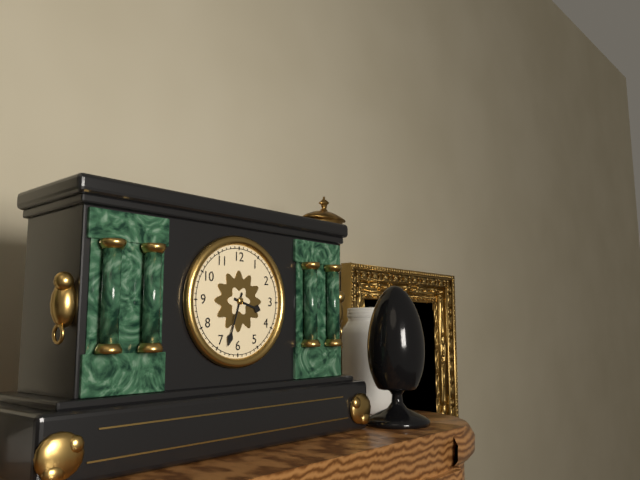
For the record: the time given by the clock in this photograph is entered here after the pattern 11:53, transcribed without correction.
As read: 3:33
